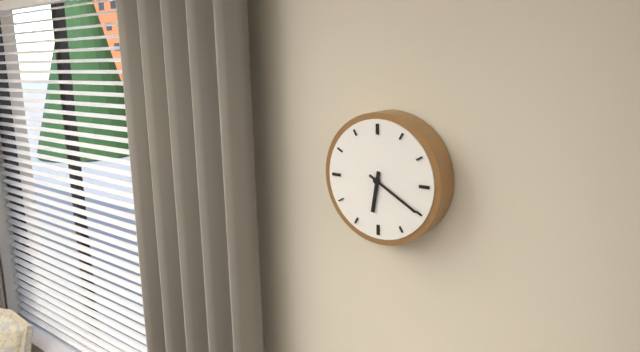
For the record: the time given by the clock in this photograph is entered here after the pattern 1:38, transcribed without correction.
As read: 6:20
